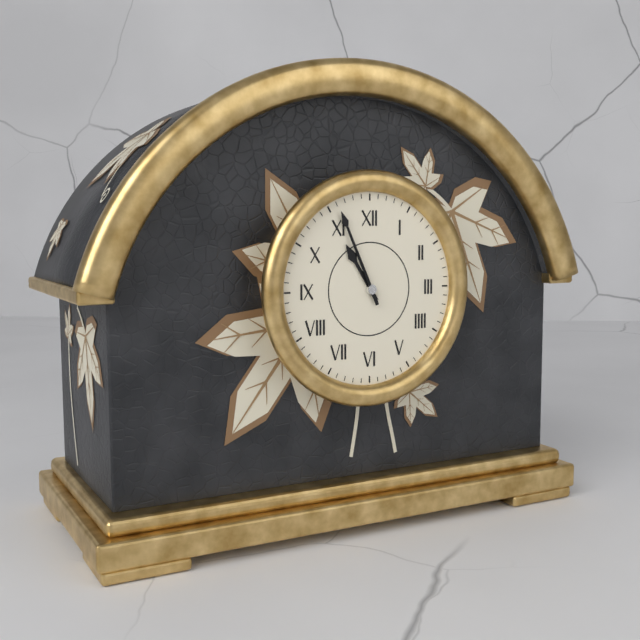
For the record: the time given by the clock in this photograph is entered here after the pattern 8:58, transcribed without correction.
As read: 10:56
